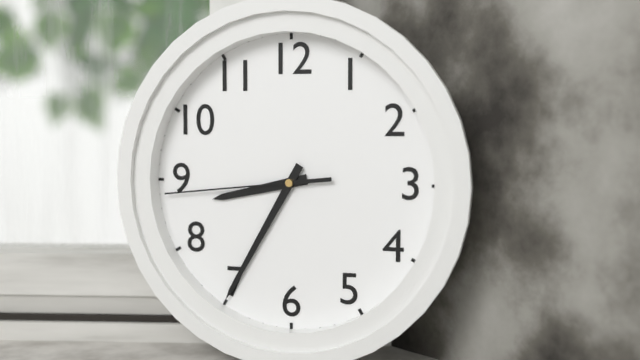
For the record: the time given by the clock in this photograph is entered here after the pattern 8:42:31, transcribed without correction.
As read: 8:35:44
